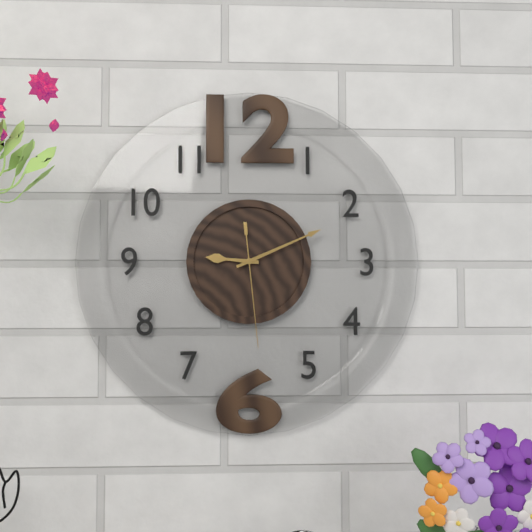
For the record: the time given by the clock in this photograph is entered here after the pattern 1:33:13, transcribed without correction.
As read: 9:11:29
